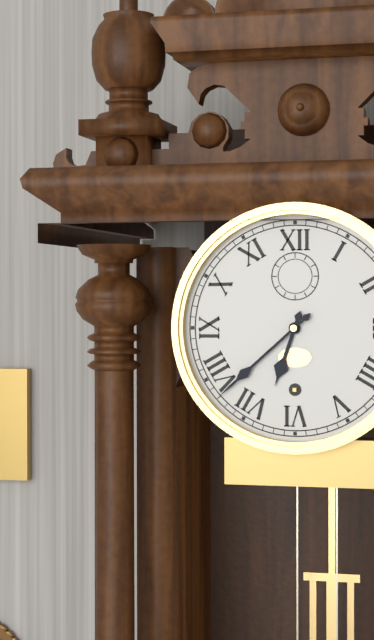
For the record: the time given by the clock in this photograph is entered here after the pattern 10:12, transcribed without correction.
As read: 6:38
